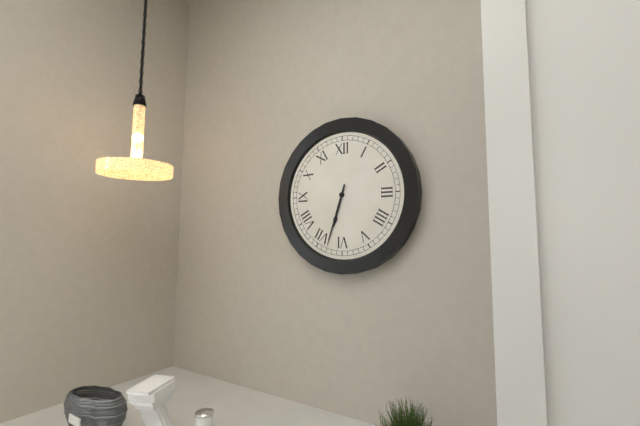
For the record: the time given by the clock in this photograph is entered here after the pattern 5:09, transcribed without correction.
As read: 6:33
